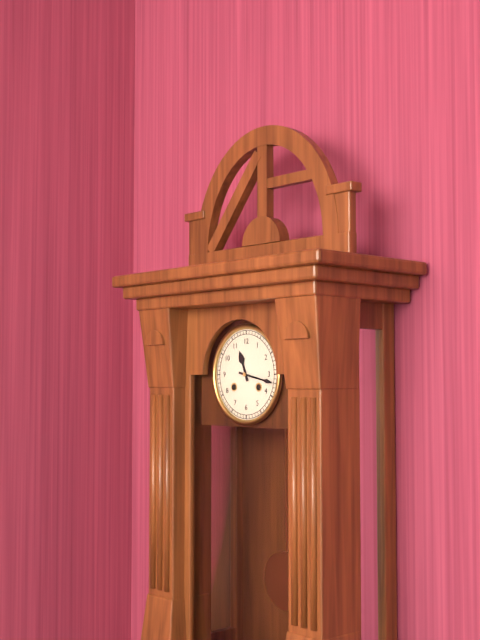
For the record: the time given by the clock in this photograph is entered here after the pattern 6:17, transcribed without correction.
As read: 11:17
